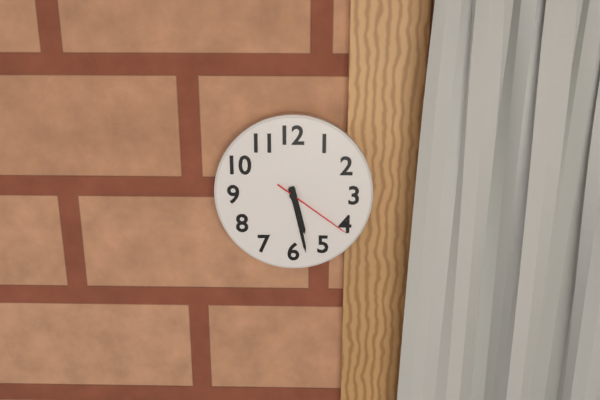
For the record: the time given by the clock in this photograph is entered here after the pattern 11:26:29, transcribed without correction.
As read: 5:28:21
